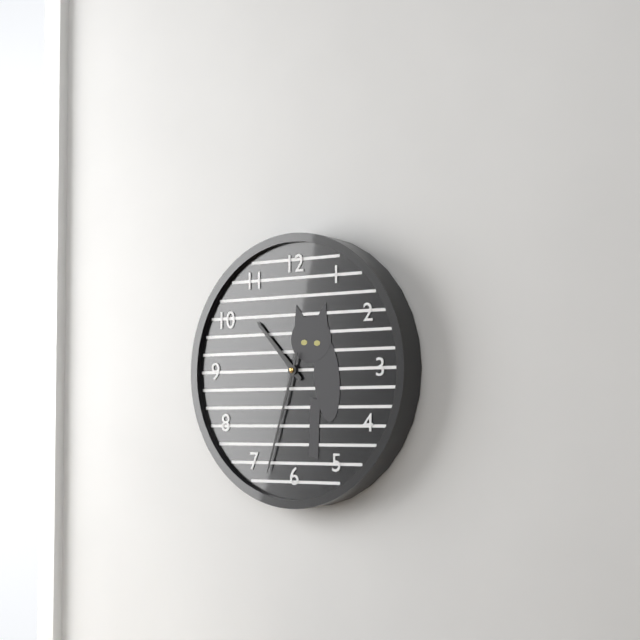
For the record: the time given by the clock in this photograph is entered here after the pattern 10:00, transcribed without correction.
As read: 10:33
